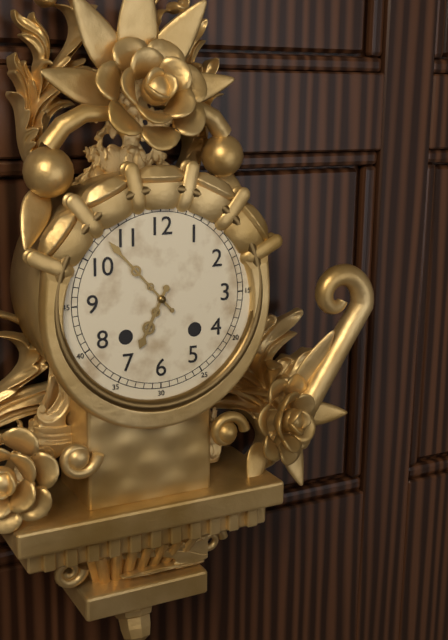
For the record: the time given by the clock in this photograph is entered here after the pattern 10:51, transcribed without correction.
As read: 6:53
